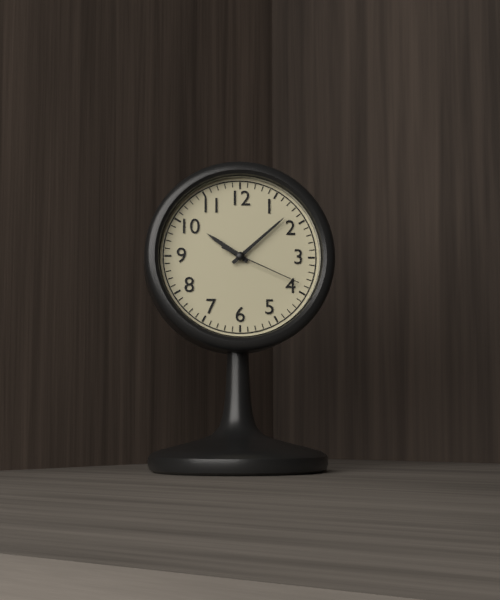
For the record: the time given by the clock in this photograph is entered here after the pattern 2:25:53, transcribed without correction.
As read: 10:08:19
